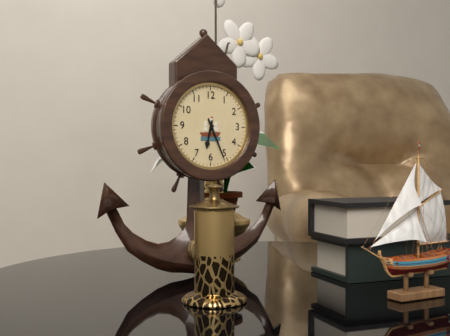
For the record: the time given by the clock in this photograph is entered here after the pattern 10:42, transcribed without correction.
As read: 6:26
